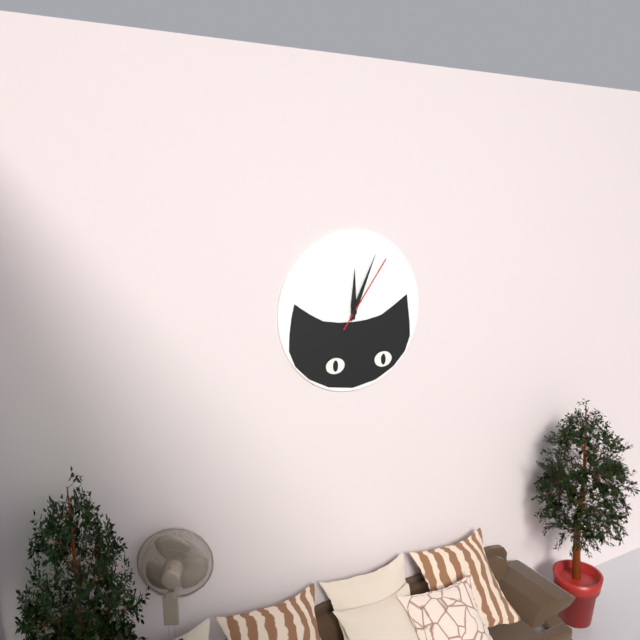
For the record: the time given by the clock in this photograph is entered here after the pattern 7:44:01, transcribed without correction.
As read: 12:04:06
